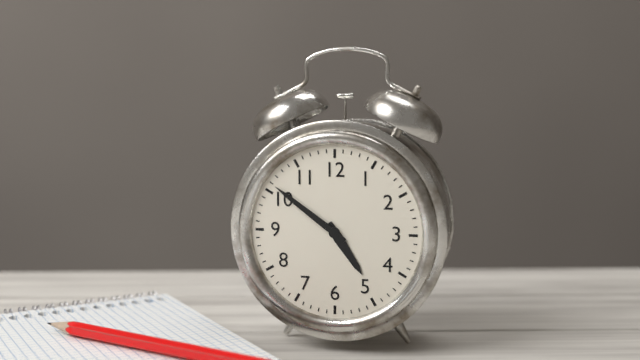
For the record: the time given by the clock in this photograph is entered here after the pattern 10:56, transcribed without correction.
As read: 4:51
